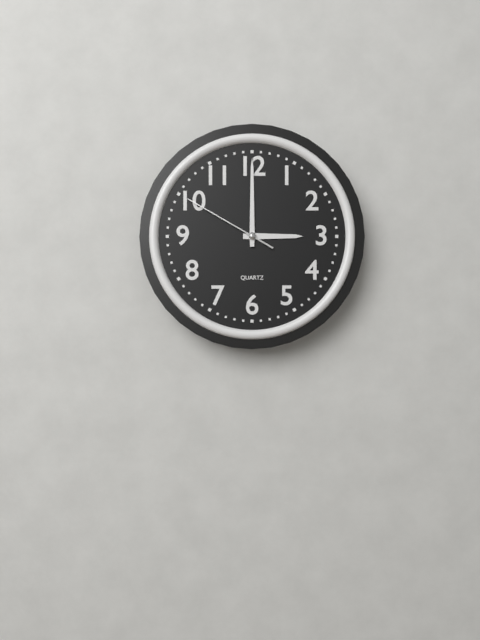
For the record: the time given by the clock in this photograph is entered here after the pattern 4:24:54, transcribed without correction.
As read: 3:00:50
